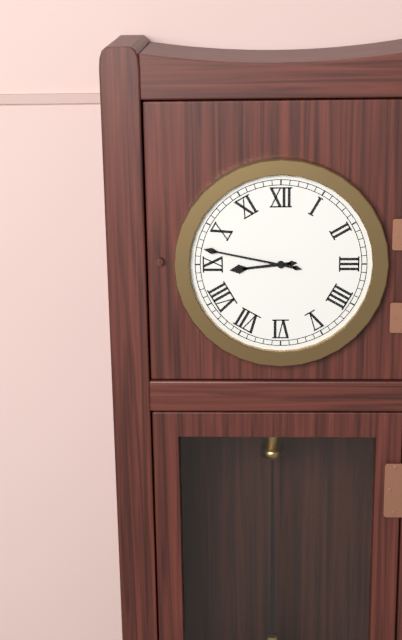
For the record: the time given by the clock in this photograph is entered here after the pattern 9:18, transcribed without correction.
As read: 8:47
